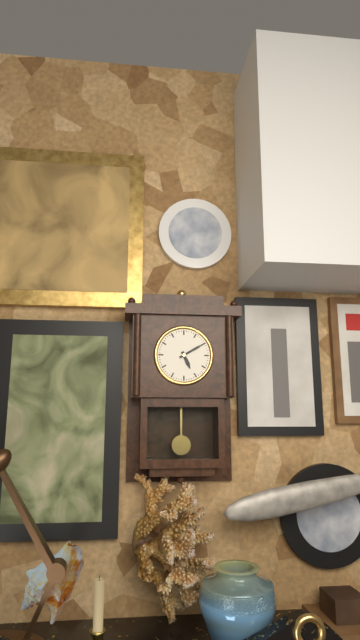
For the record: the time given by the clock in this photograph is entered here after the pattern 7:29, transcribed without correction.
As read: 5:10
